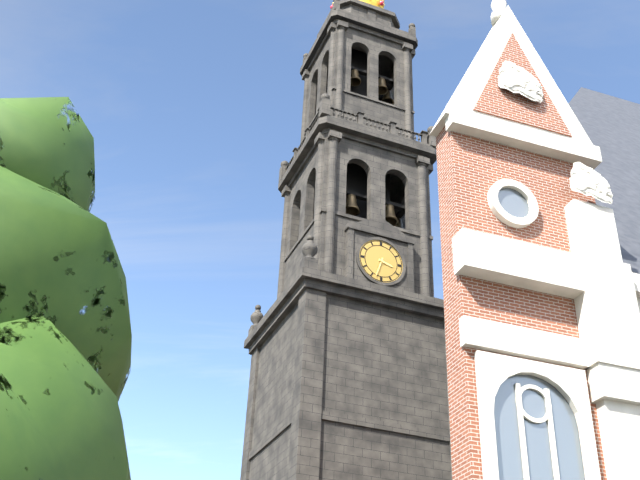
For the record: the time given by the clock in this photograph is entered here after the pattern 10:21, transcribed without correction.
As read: 3:33
